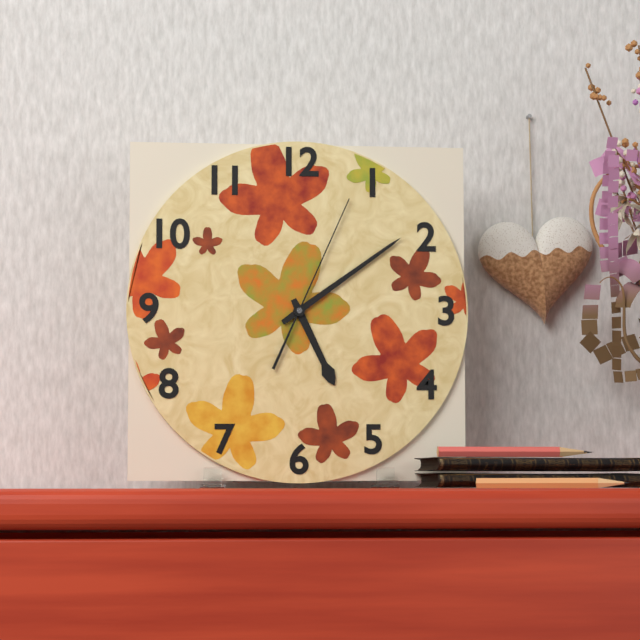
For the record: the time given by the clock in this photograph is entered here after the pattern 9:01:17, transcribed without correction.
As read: 5:09:04
